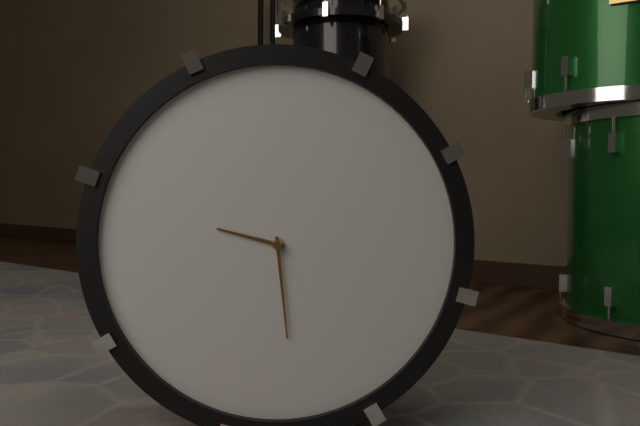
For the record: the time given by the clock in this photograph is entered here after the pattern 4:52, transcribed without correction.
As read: 9:29
